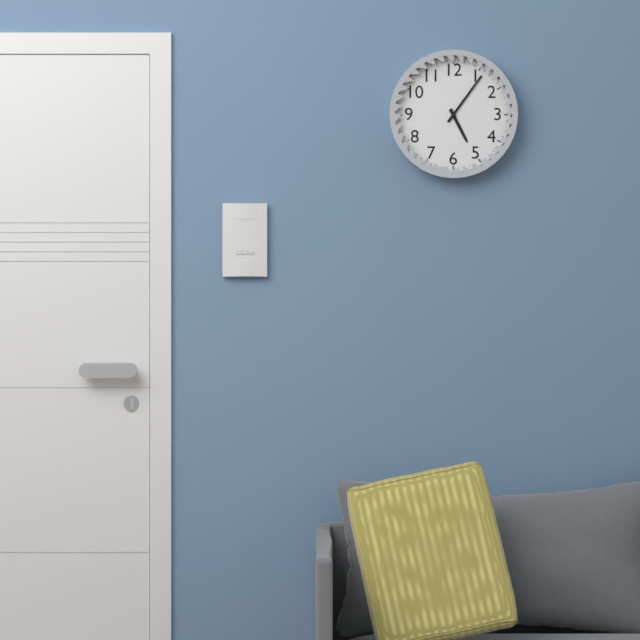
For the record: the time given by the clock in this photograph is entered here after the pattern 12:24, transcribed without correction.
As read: 5:06
